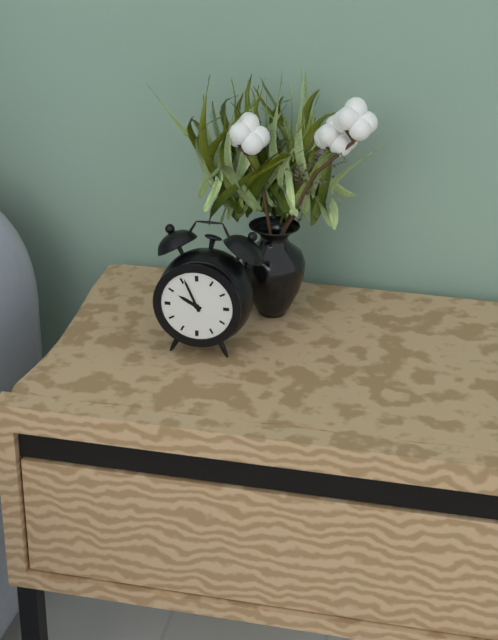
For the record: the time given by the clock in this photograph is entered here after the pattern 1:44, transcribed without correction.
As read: 9:56
